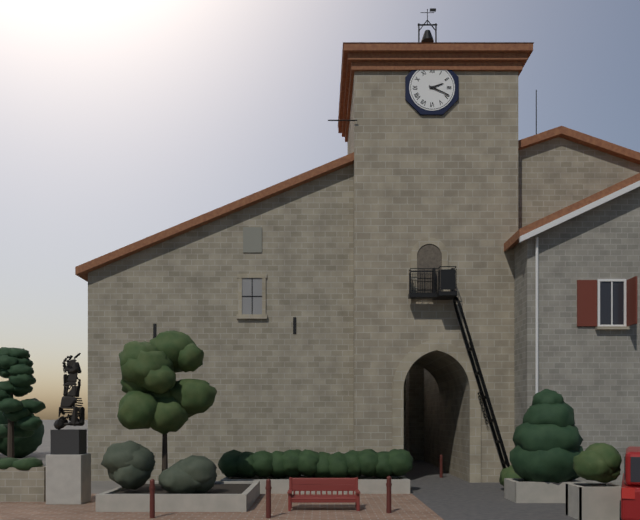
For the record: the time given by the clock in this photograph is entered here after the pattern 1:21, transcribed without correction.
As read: 2:19
